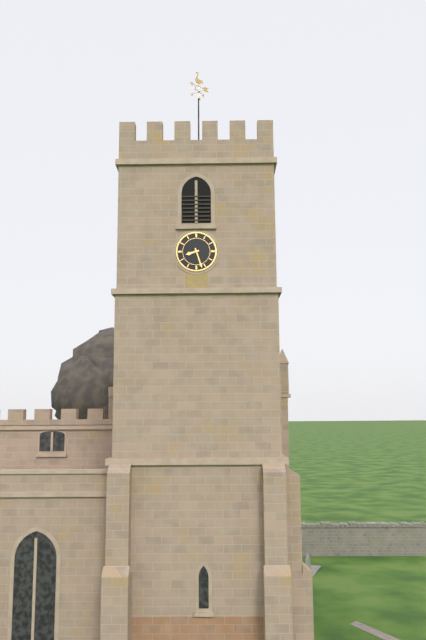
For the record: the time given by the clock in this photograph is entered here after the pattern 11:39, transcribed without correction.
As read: 8:27
